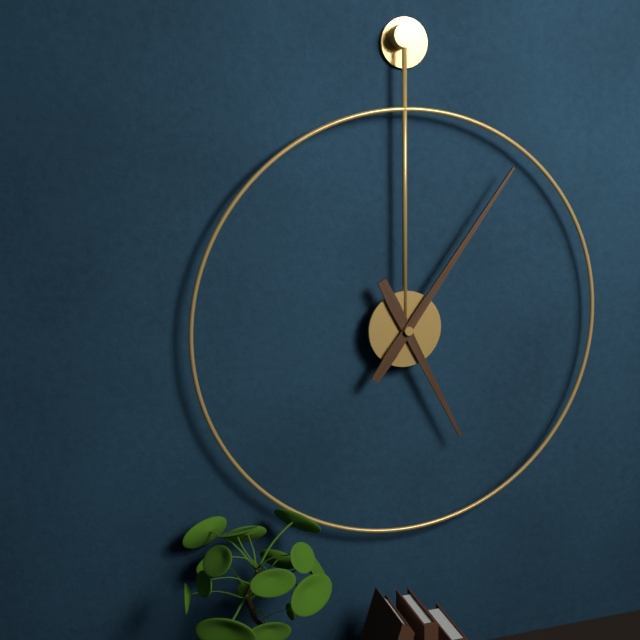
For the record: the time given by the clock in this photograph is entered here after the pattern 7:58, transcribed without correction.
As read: 5:06
